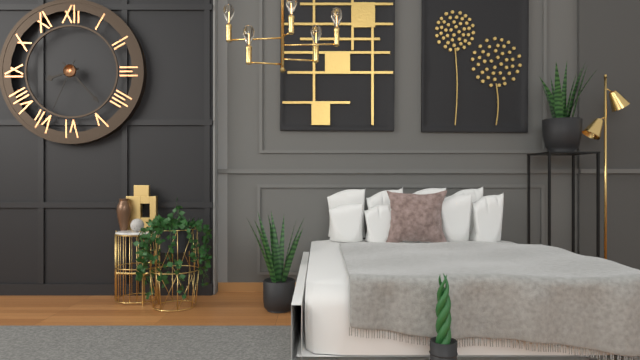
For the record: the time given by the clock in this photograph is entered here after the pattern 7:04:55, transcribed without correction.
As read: 8:23:34
